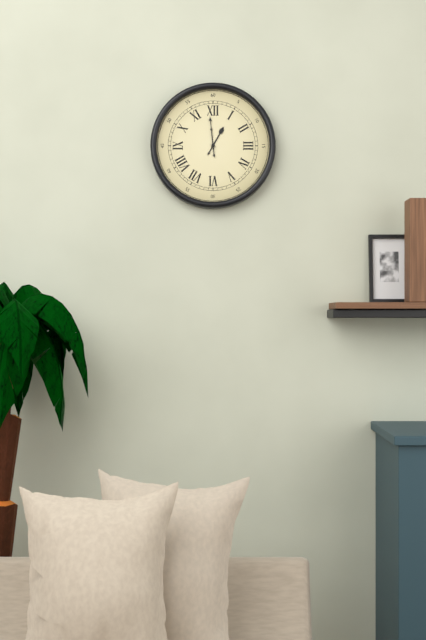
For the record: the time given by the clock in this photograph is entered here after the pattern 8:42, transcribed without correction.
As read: 12:59
